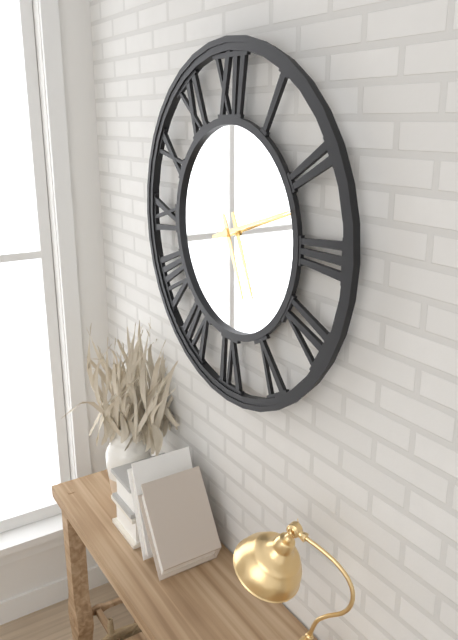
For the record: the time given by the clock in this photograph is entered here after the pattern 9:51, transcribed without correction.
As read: 5:12
